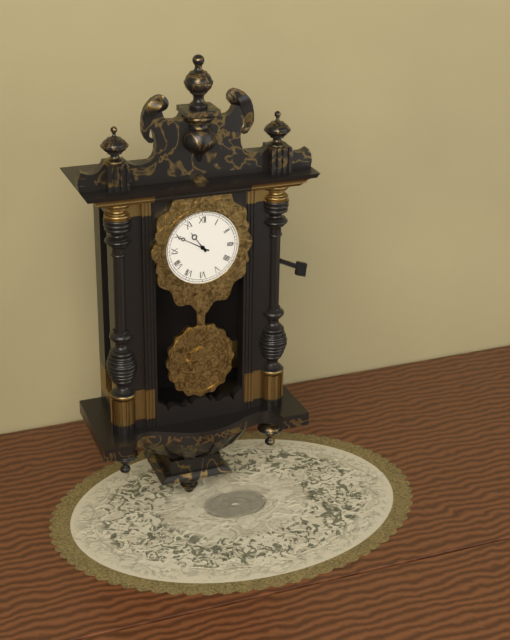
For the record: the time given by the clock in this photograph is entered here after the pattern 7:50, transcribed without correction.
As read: 10:50
